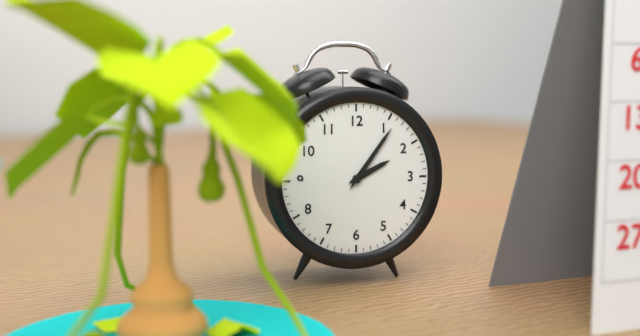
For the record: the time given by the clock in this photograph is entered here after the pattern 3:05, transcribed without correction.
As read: 2:06
